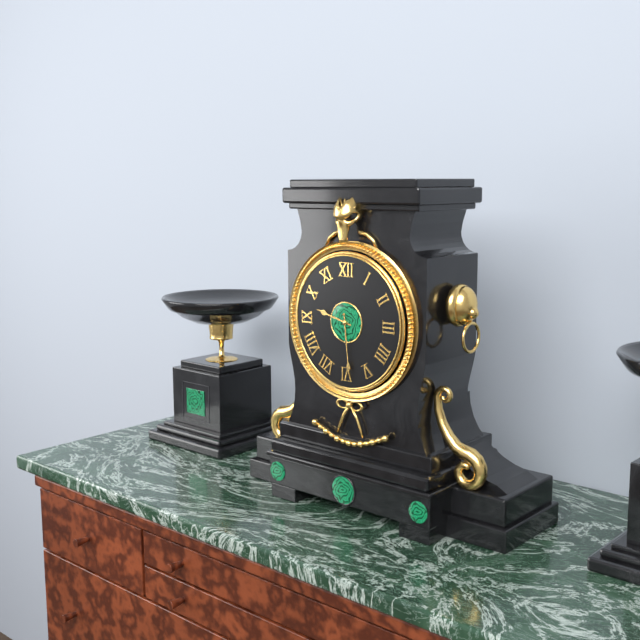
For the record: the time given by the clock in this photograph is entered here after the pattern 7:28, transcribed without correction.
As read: 9:29
